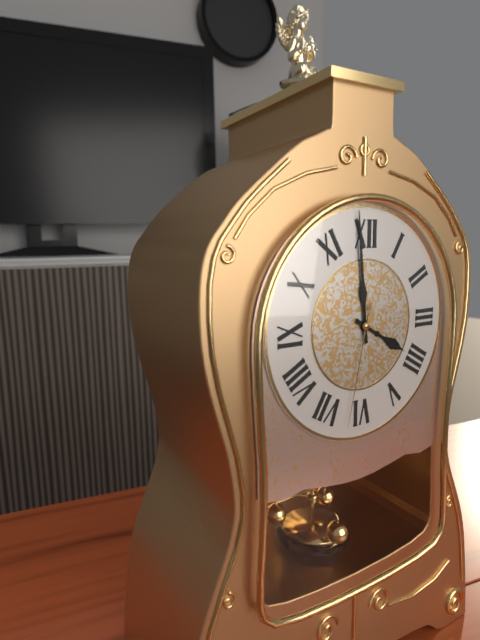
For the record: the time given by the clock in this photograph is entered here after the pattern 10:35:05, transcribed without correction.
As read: 3:59:32
